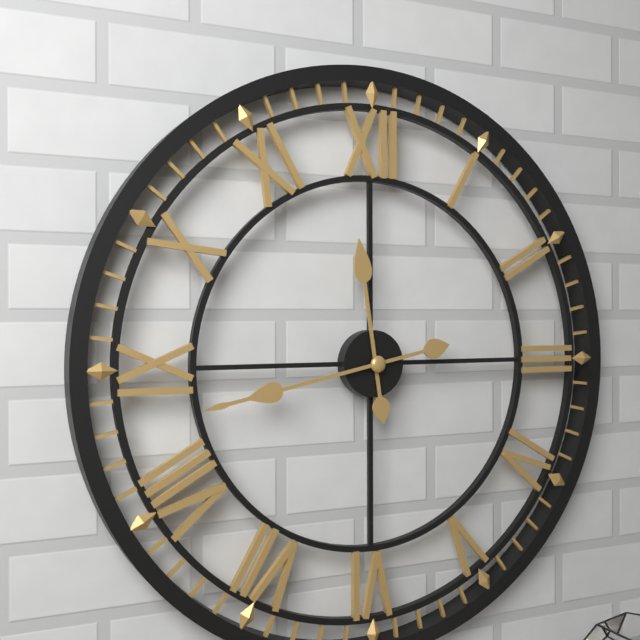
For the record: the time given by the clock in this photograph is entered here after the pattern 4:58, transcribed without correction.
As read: 11:43
